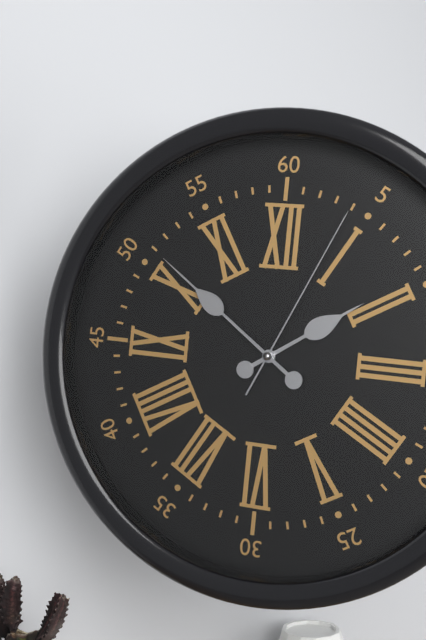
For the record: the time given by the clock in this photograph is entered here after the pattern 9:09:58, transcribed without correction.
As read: 1:51:04
